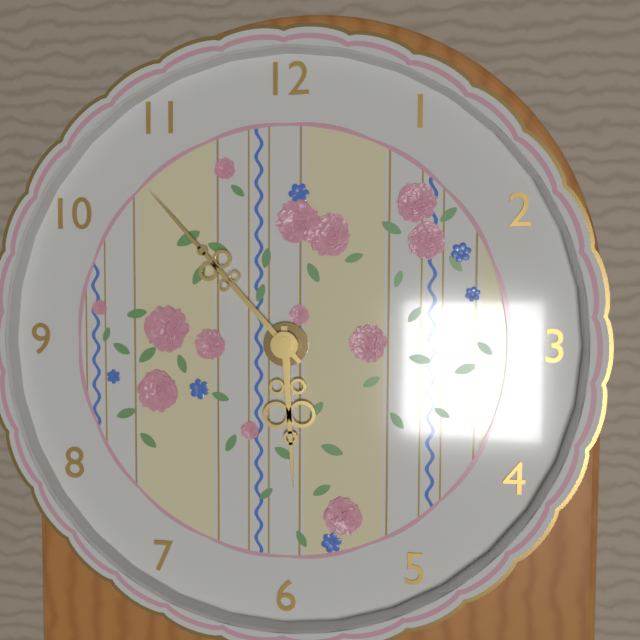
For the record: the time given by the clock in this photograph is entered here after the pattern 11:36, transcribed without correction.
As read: 5:53
